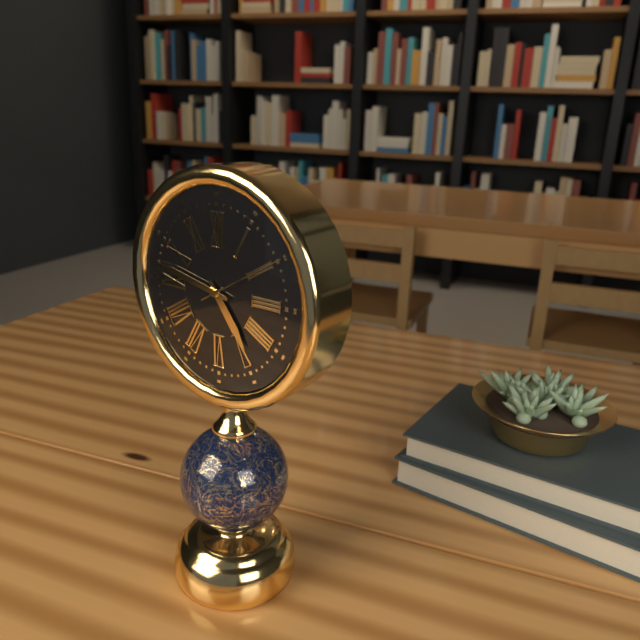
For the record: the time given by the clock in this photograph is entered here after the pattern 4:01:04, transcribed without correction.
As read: 4:47:10
